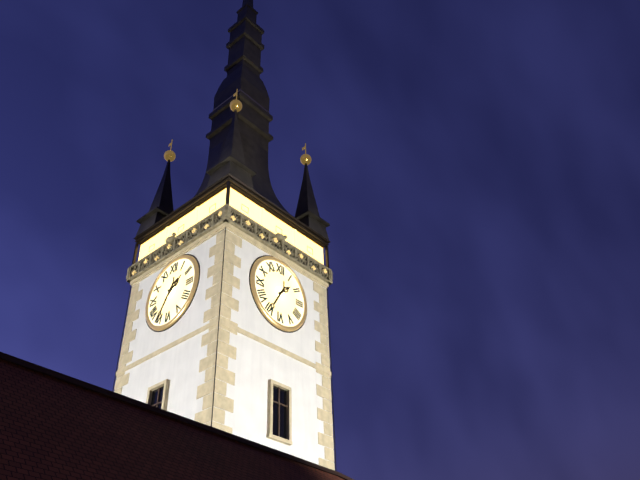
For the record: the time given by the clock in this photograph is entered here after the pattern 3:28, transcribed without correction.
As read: 1:35
